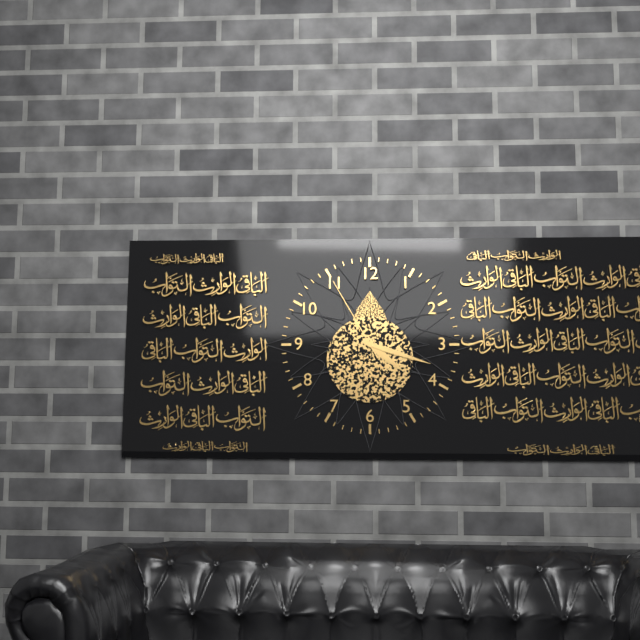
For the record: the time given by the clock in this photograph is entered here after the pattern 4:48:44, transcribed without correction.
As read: 4:18:55
